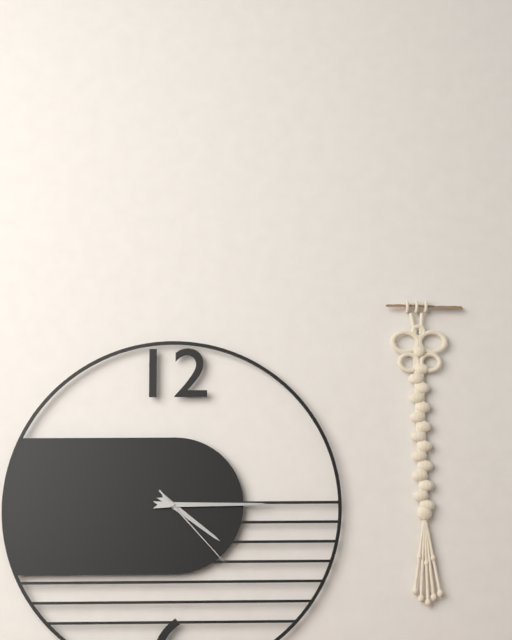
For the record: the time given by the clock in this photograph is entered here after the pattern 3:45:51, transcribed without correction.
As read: 4:15:23
